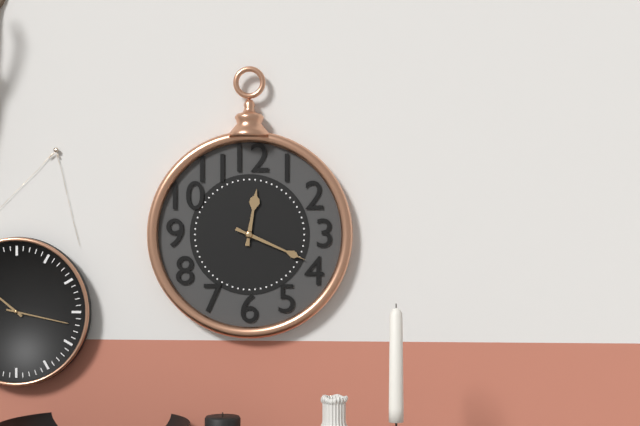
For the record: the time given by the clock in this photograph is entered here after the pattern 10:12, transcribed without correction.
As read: 12:19
